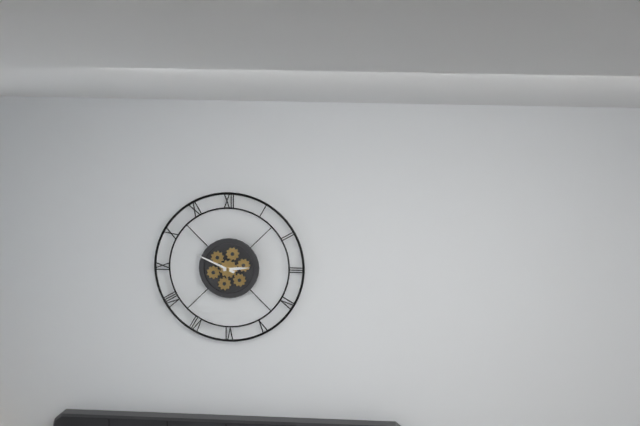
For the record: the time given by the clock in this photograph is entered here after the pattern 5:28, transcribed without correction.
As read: 2:49
